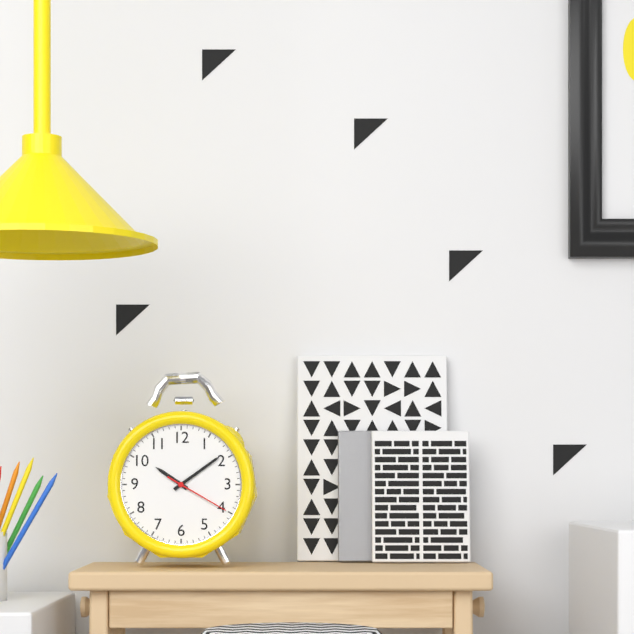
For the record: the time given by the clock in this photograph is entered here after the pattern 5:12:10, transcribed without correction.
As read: 10:09:20
